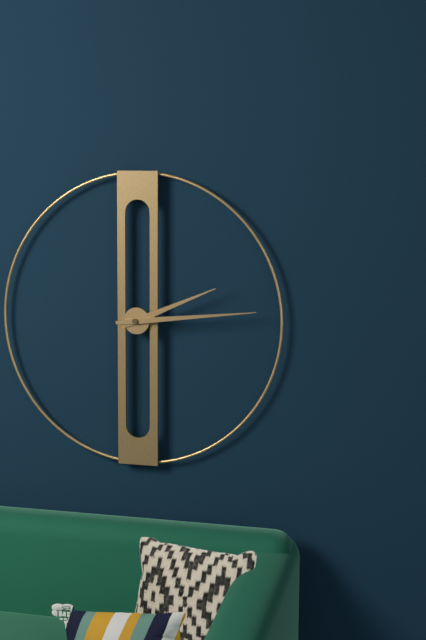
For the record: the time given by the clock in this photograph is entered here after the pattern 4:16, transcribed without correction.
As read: 2:14
